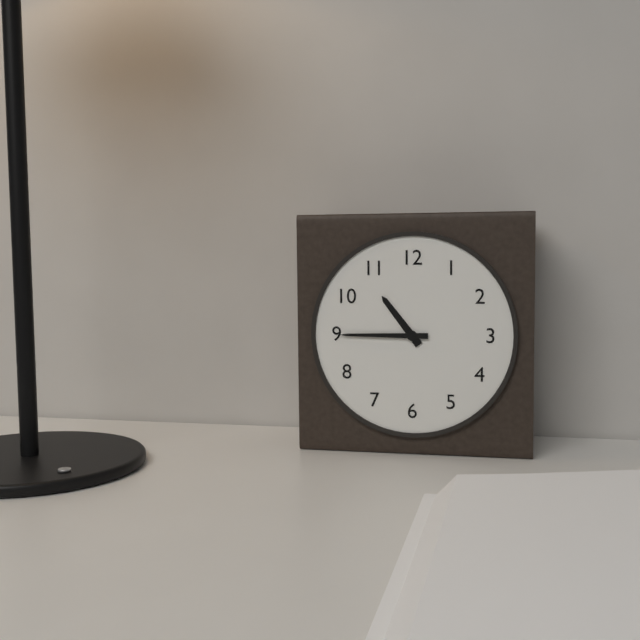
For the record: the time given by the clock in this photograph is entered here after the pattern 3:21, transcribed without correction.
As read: 10:45
